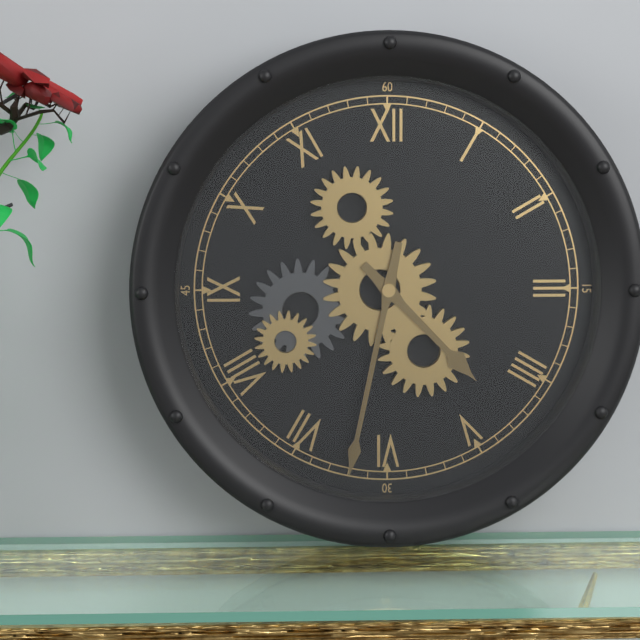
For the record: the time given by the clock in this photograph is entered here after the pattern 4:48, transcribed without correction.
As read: 4:32
